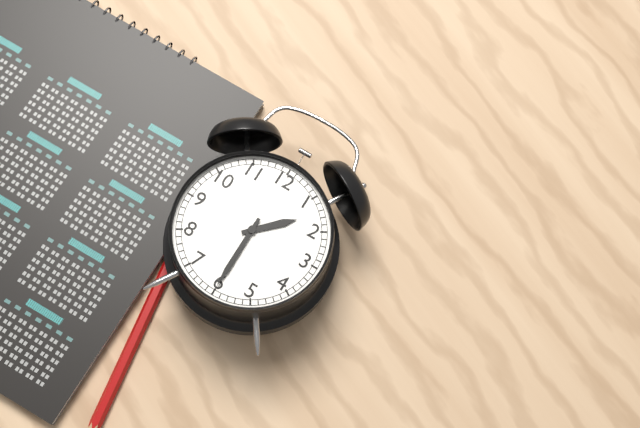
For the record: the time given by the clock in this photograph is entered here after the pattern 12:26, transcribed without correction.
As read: 1:30
